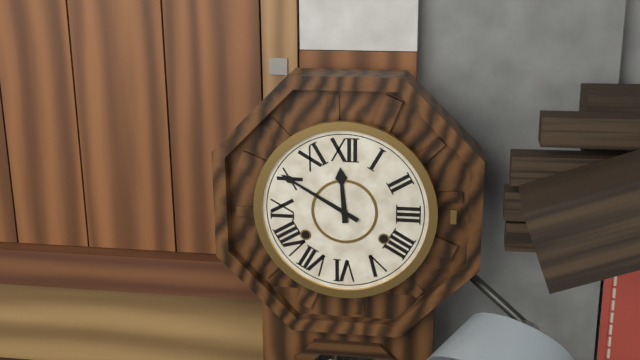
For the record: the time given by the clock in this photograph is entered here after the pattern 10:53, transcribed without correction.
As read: 11:50
